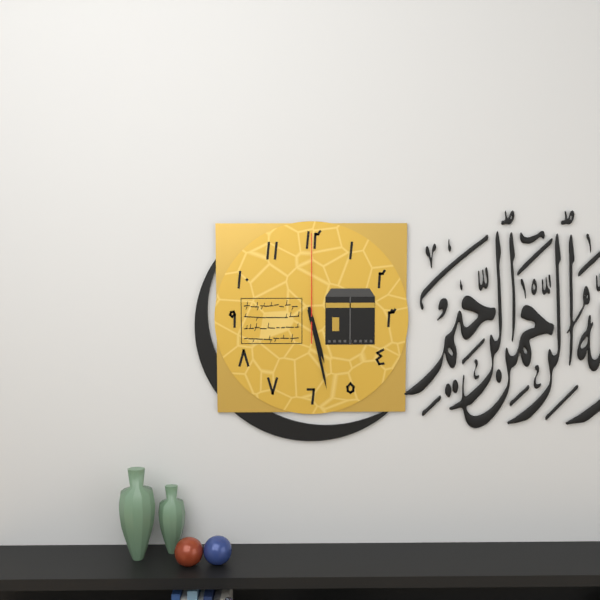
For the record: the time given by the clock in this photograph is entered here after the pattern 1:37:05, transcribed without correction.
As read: 5:28:00
